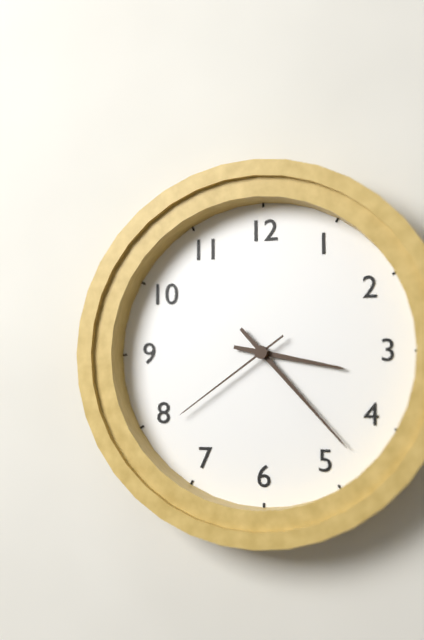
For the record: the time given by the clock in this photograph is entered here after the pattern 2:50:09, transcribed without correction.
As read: 3:23:39
